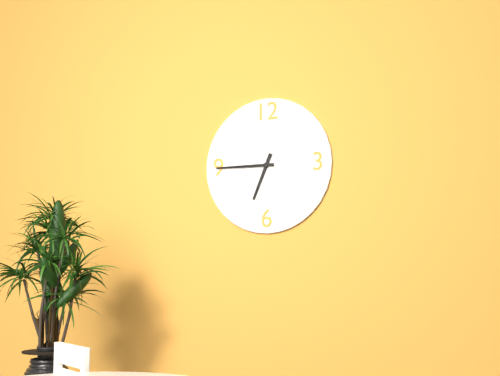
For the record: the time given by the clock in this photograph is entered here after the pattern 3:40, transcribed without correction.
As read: 6:45
